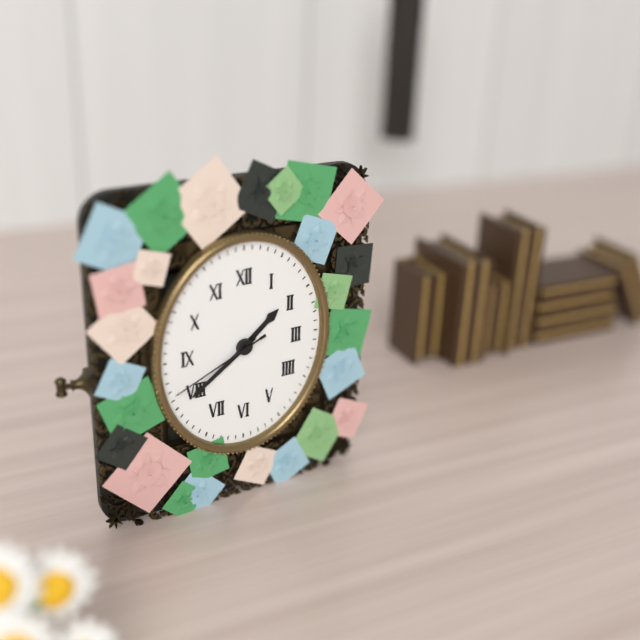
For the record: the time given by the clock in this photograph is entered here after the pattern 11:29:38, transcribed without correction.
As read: 1:39:41
